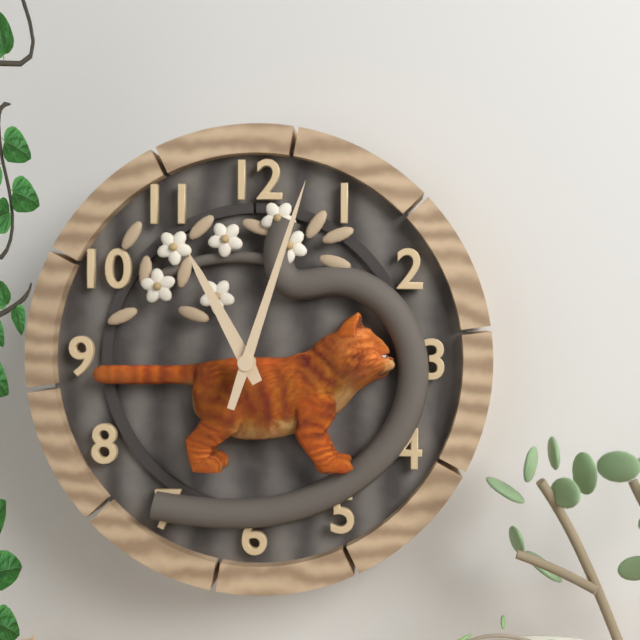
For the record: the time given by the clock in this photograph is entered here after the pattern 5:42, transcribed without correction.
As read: 11:03
